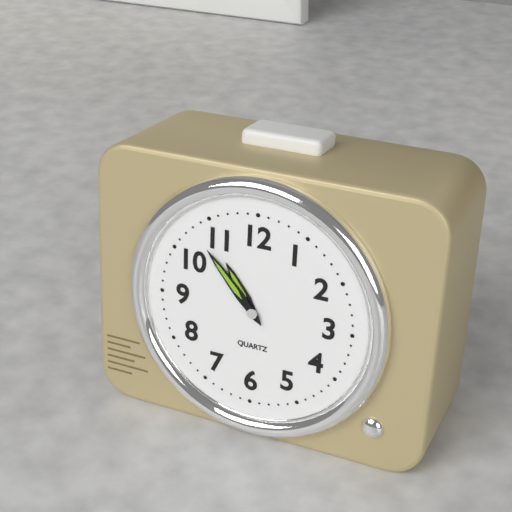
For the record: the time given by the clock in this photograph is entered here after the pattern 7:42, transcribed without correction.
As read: 10:53
